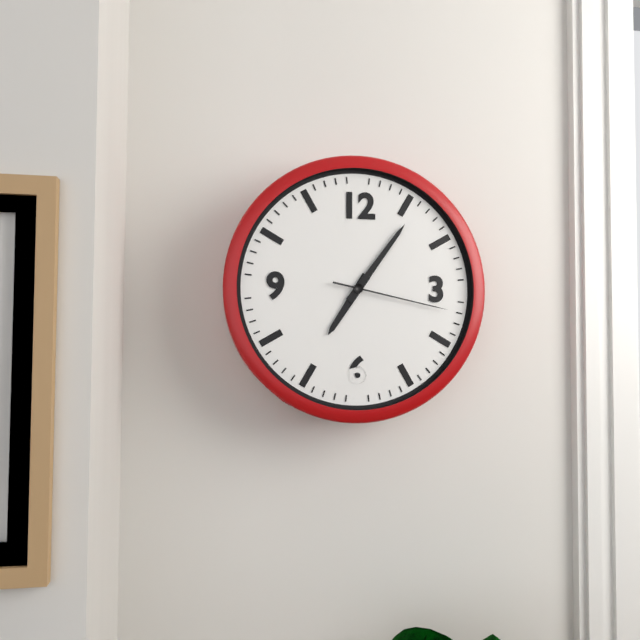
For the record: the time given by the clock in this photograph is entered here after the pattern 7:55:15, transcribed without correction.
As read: 7:06:17
